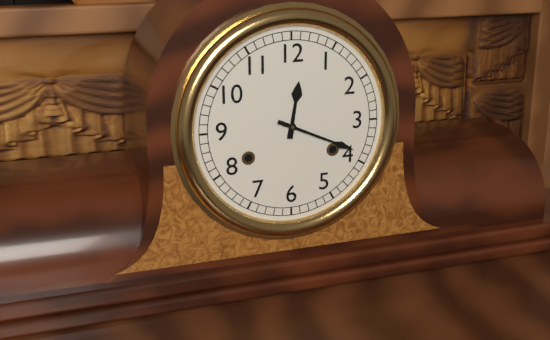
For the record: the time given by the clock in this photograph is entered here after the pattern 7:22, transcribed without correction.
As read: 12:19
